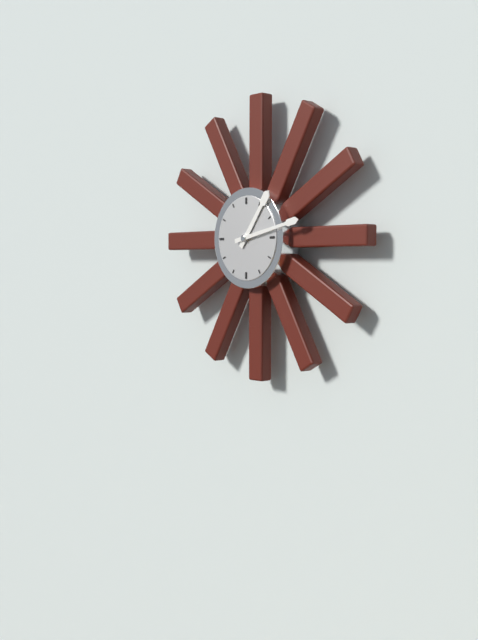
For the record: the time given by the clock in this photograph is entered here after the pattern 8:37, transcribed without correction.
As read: 1:13
